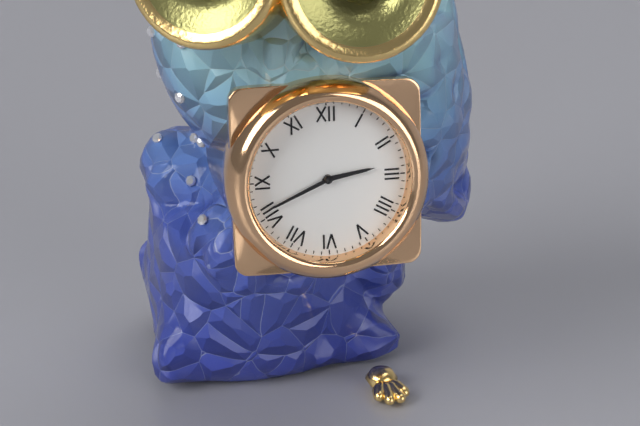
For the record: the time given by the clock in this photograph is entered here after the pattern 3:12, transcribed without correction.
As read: 2:41
